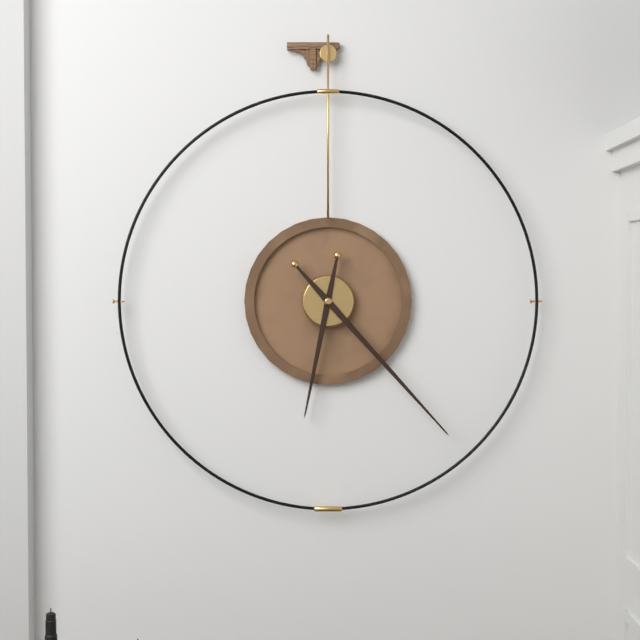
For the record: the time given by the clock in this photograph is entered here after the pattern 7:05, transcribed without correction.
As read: 6:23
